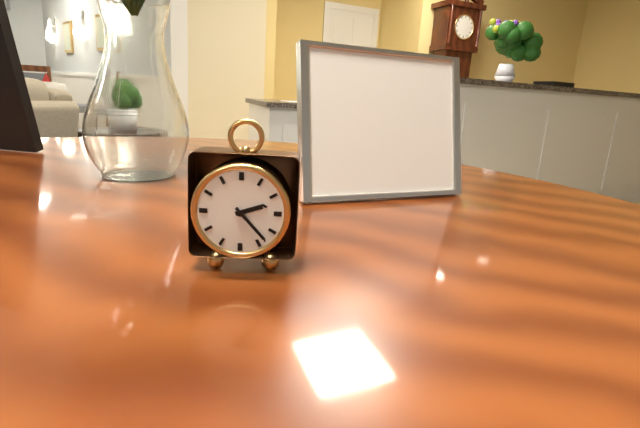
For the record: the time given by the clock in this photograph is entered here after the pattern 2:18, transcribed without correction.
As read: 2:23
